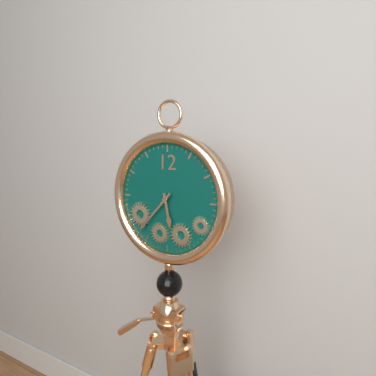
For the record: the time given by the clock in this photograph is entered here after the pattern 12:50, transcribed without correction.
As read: 5:37
